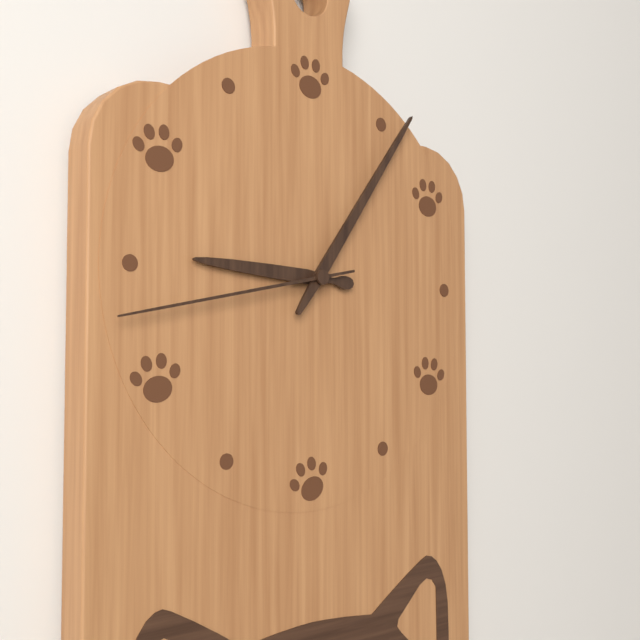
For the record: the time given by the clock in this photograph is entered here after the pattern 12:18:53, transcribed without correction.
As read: 9:06:43
